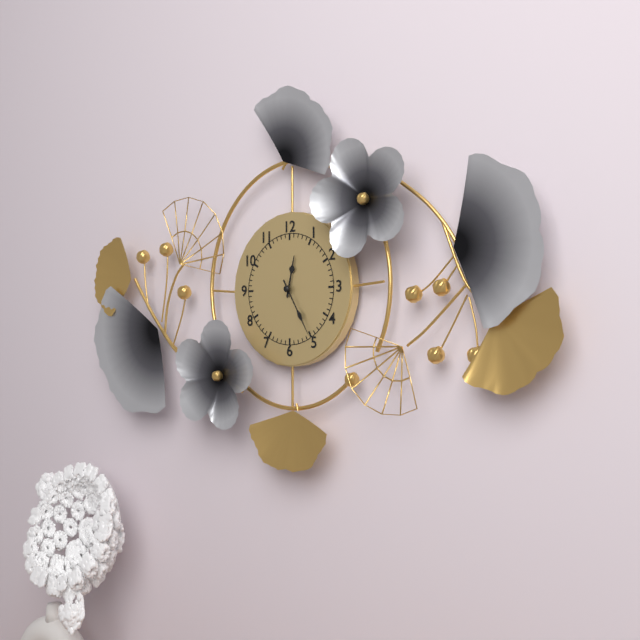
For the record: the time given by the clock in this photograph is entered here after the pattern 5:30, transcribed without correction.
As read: 12:25
